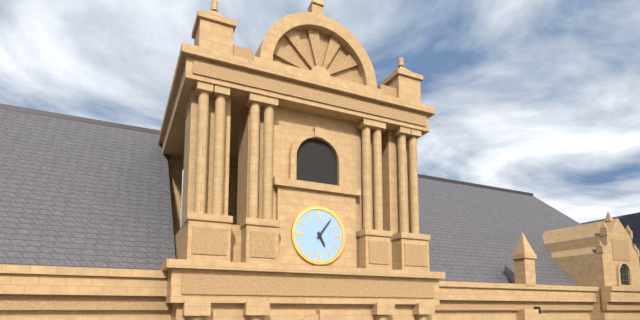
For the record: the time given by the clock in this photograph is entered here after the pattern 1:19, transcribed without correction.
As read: 5:06
